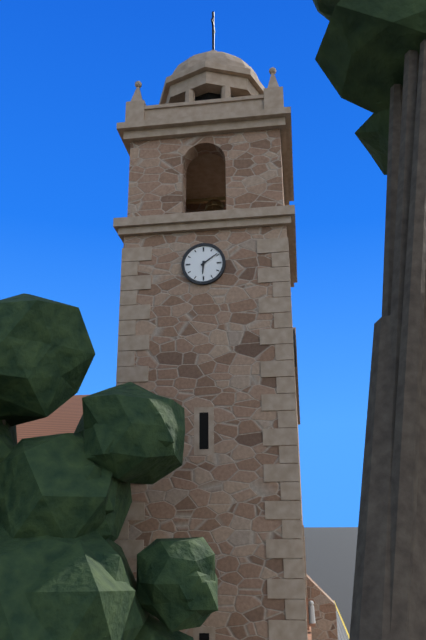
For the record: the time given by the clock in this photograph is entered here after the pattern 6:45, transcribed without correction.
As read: 6:09
